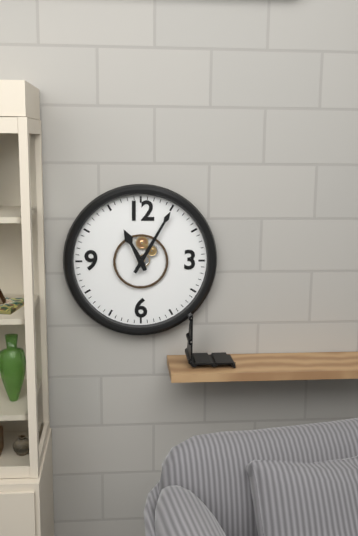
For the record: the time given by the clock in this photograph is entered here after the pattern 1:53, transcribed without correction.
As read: 11:05
